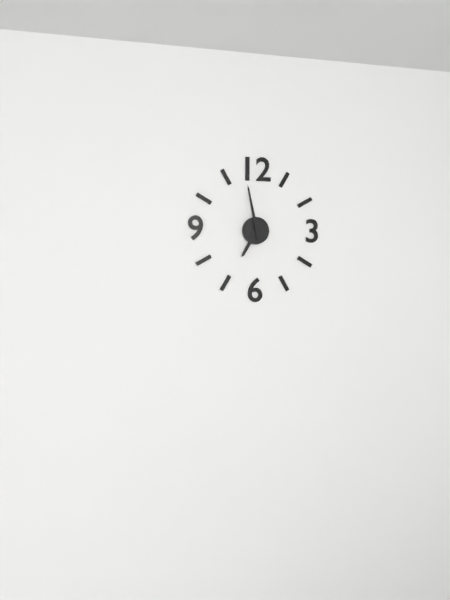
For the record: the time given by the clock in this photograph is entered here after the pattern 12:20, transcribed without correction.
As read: 6:58
